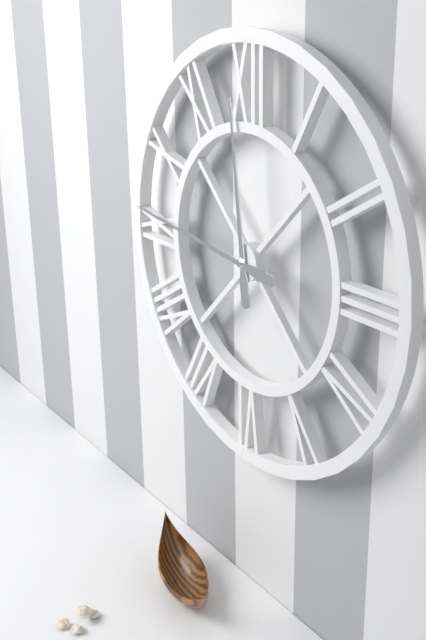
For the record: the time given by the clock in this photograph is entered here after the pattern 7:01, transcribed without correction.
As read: 11:46
